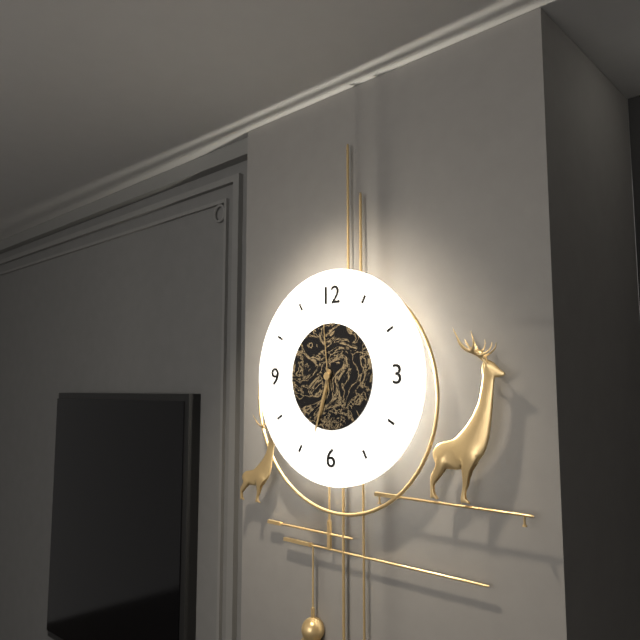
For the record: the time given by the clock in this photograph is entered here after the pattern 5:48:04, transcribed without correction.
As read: 6:33:59
